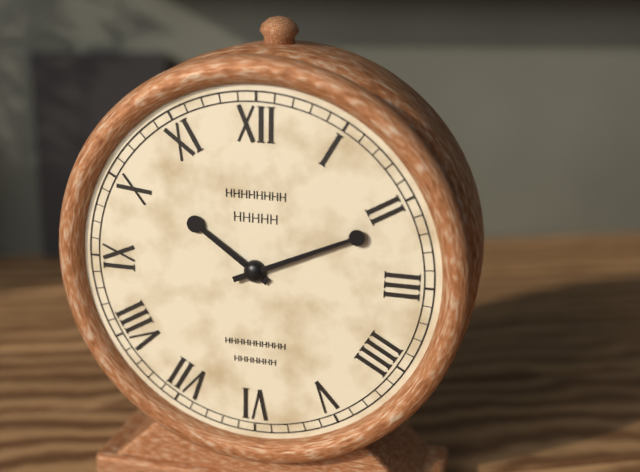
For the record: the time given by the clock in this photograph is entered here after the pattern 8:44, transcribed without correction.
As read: 10:11
